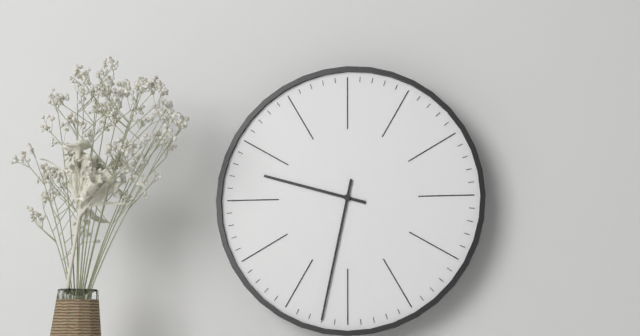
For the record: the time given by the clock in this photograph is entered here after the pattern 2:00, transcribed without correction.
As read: 9:32
